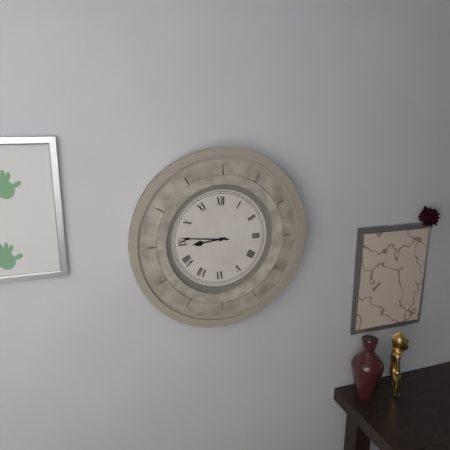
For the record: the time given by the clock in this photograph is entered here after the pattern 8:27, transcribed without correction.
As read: 8:46
